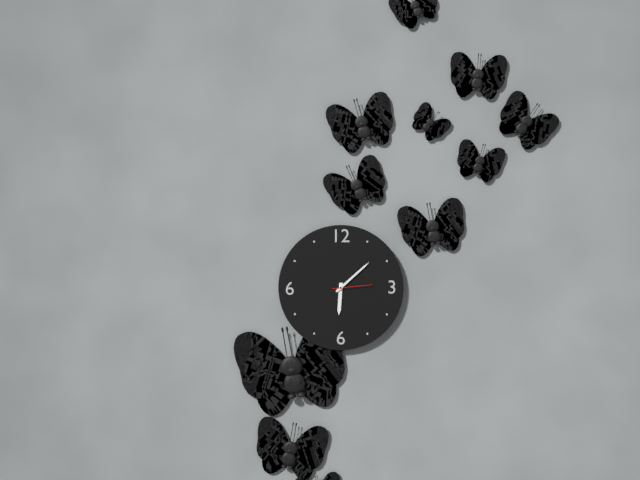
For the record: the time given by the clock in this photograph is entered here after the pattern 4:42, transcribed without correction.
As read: 6:08
